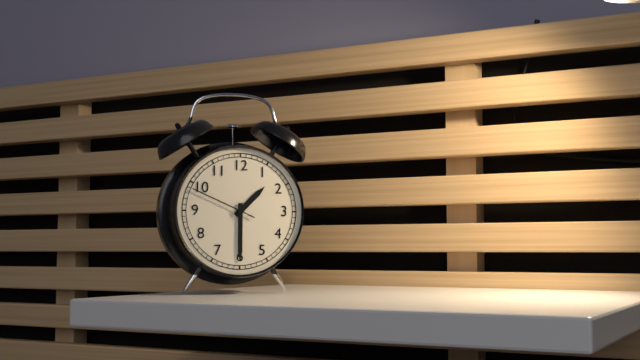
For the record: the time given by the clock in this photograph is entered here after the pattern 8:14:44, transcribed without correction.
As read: 1:30:49
